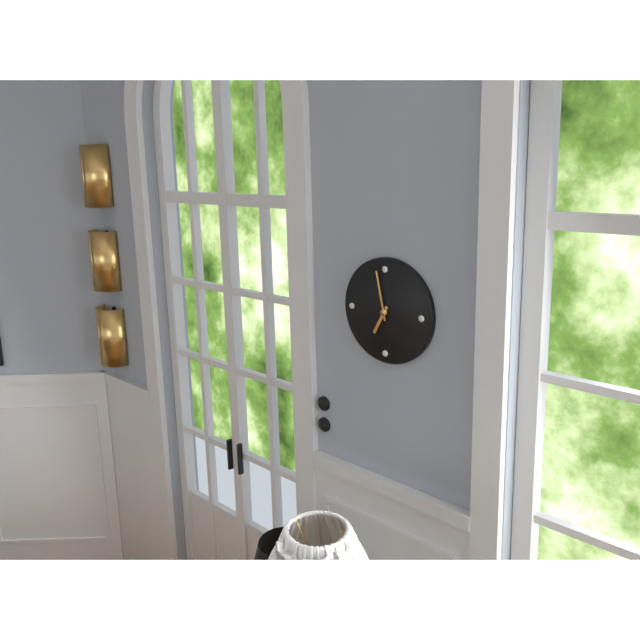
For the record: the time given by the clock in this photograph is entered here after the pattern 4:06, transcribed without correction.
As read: 6:58
